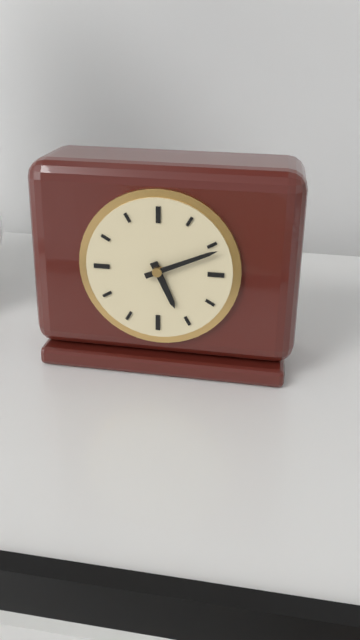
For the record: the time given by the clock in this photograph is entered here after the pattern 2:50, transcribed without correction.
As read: 5:11
